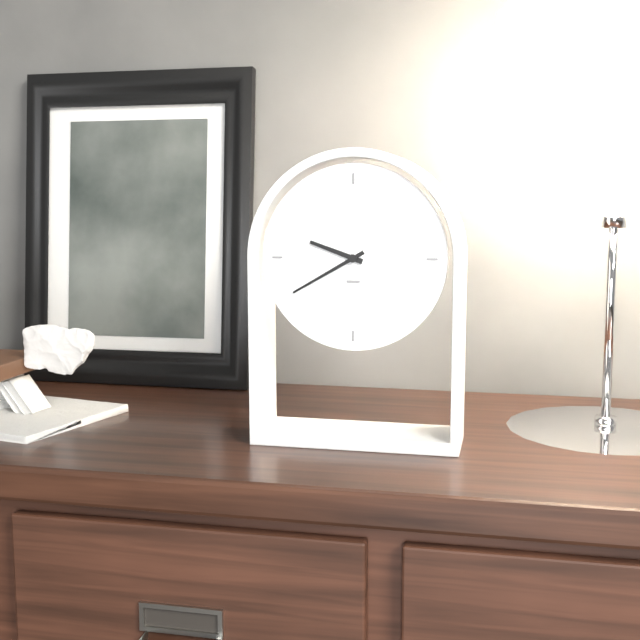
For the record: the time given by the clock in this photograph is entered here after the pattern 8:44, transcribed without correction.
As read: 9:40
